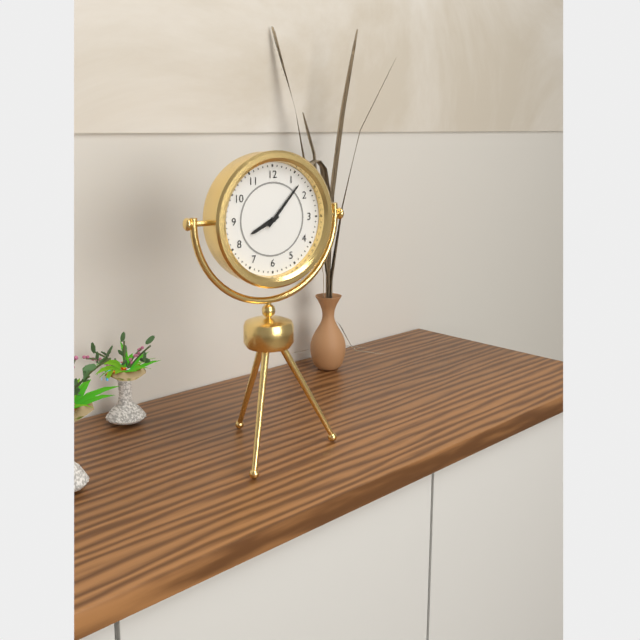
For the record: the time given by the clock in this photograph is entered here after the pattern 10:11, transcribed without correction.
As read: 8:07
